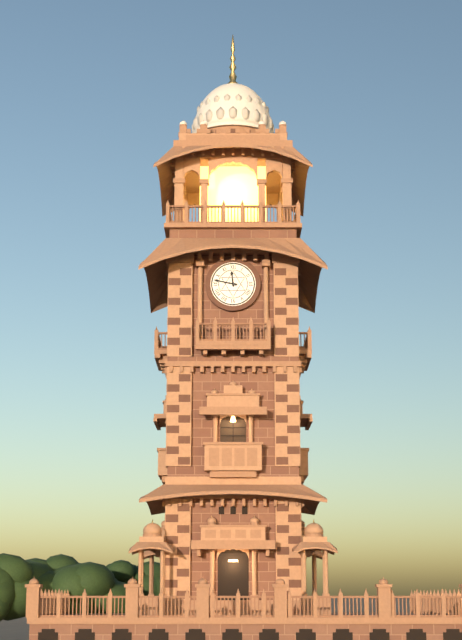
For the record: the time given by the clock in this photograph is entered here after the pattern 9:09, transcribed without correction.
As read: 11:47
